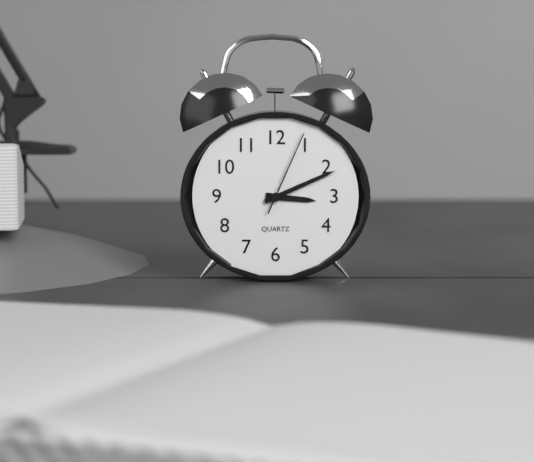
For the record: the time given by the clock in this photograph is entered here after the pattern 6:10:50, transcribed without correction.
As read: 3:11:04
